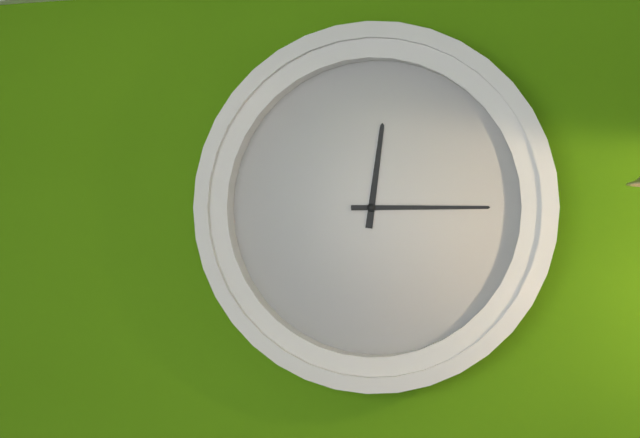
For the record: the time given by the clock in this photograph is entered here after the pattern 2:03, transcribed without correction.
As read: 12:15
